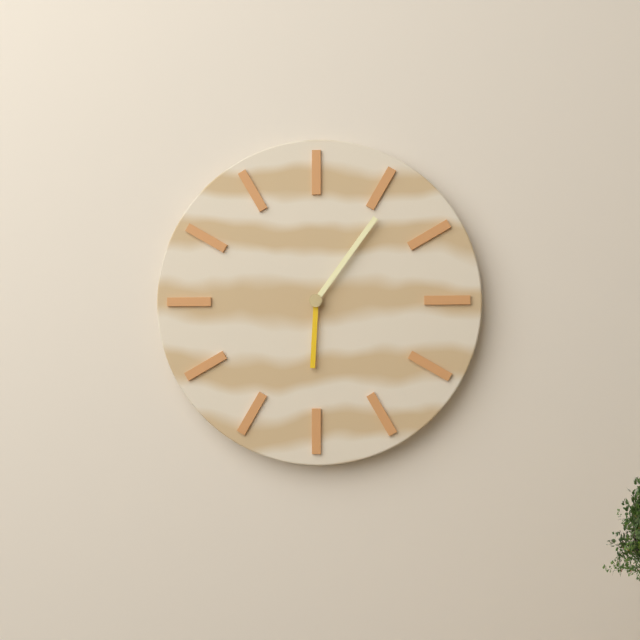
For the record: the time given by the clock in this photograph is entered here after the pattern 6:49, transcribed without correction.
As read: 6:06
